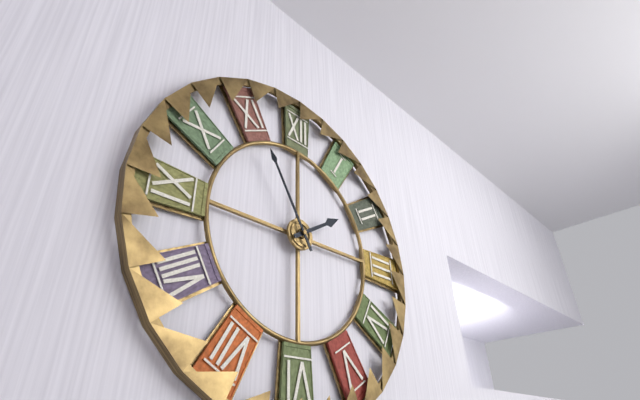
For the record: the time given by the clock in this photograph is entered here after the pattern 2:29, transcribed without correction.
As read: 1:55
